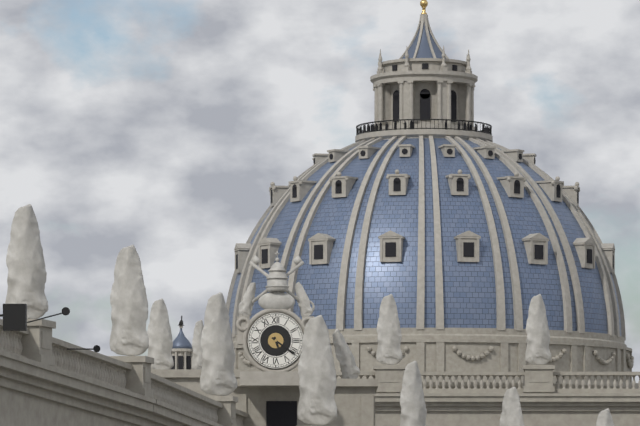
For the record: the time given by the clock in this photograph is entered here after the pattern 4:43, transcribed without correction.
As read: 5:21
